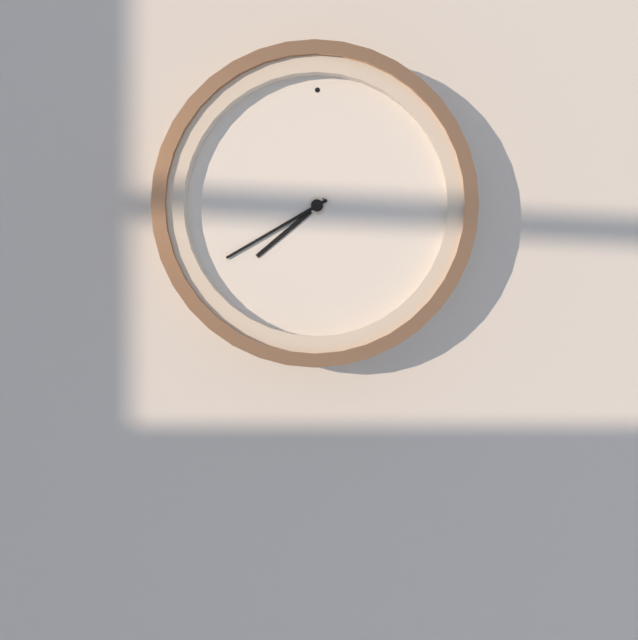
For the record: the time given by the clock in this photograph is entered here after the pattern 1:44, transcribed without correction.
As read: 7:40
